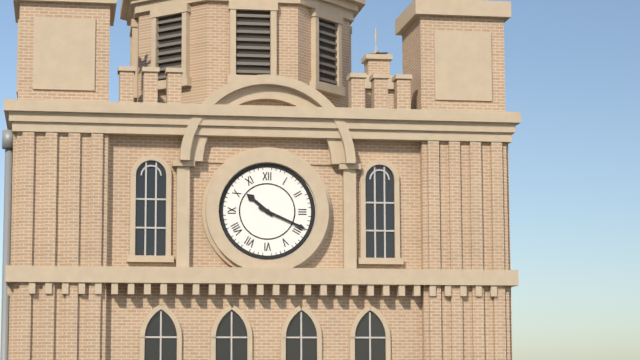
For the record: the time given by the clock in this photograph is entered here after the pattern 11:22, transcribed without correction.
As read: 10:19
